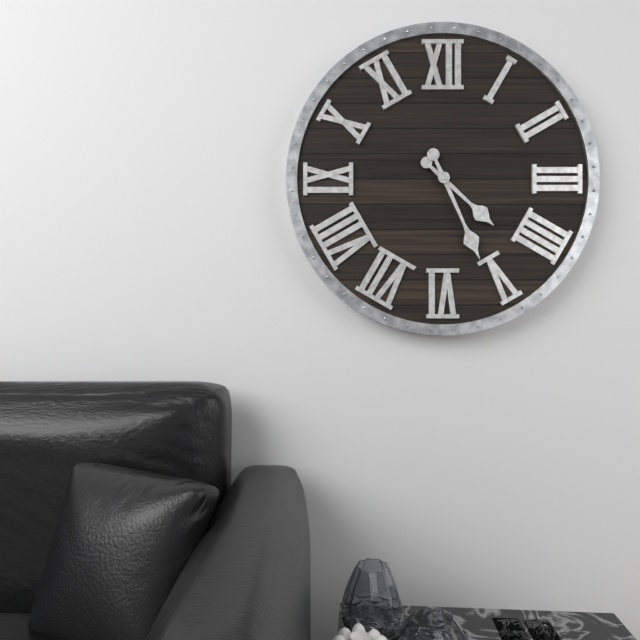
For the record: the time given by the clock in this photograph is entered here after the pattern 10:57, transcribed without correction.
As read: 4:26
